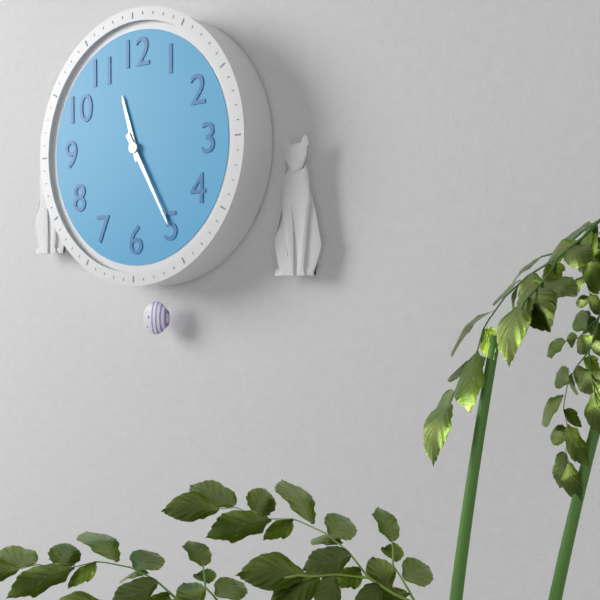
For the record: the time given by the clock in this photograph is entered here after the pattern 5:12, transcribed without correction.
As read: 11:25
